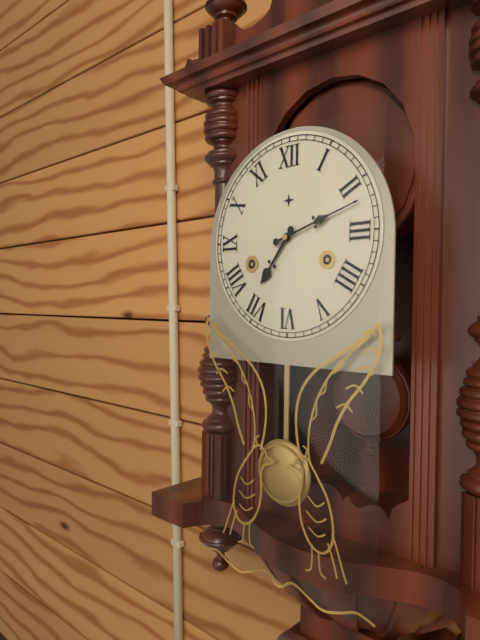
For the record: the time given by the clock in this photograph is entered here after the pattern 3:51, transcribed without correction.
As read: 7:12
